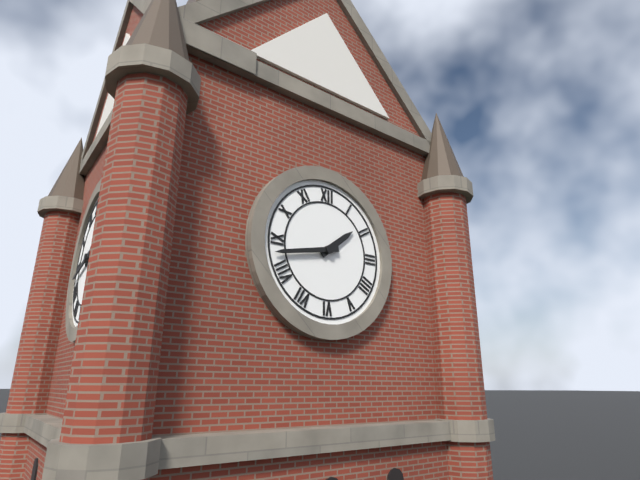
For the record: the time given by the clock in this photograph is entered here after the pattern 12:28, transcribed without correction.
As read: 1:43
